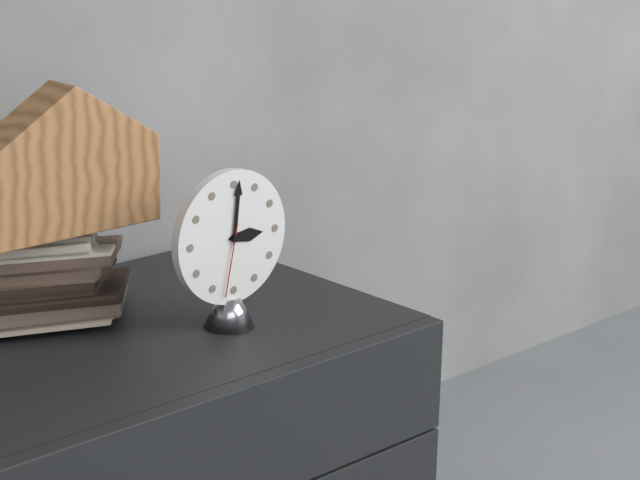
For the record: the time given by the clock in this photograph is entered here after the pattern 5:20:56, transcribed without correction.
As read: 3:01:32
